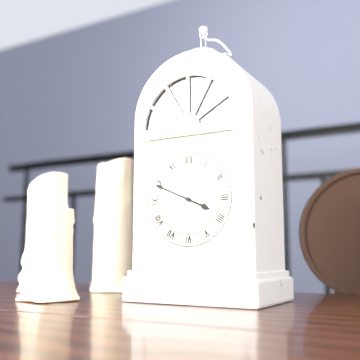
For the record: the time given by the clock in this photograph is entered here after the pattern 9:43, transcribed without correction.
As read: 3:49
